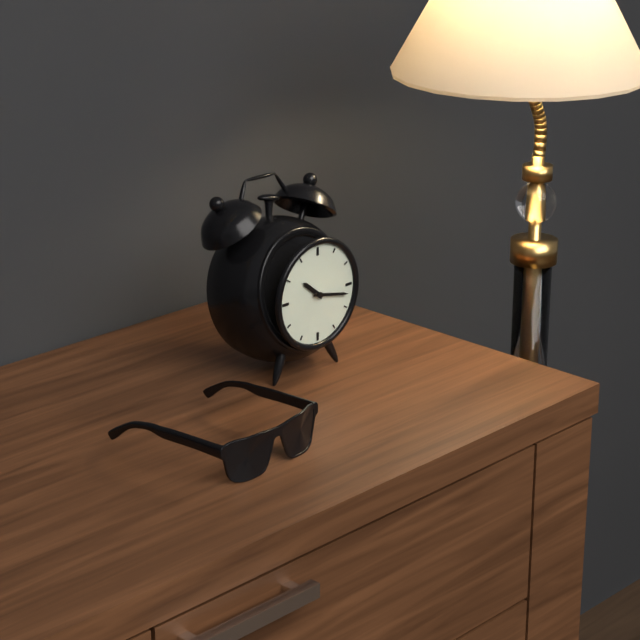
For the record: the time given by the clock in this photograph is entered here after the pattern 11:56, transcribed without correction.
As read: 10:17
